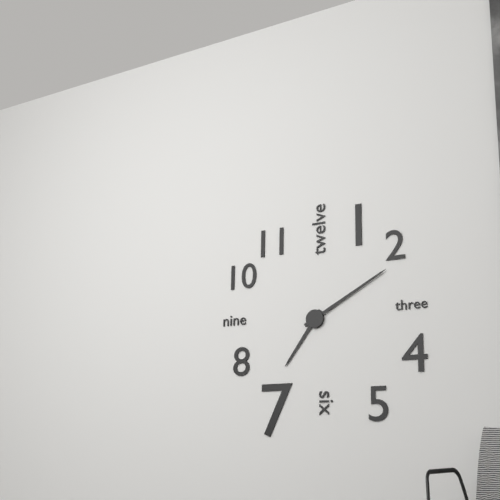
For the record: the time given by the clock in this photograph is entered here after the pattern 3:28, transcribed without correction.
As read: 7:10
